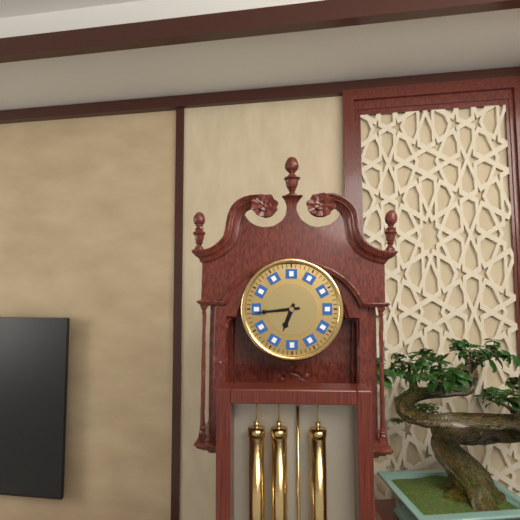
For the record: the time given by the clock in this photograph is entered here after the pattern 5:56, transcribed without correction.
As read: 6:44
